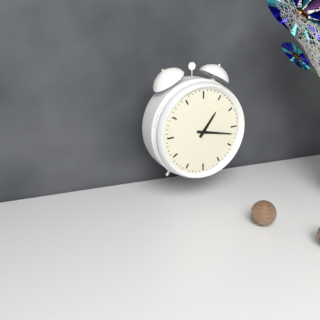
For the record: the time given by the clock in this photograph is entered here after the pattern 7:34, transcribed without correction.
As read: 1:17
